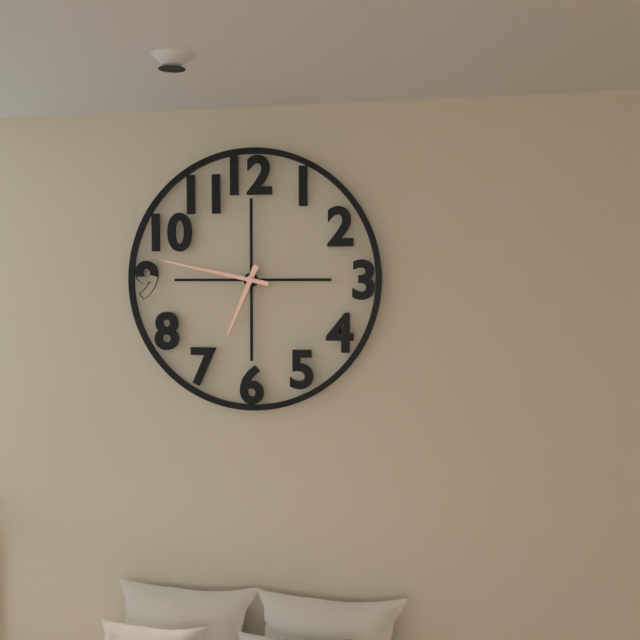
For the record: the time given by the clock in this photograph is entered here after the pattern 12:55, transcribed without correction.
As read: 6:47
